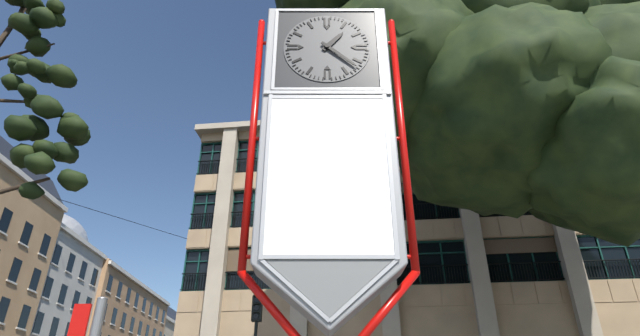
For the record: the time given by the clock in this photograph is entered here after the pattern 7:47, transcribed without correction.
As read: 1:22
